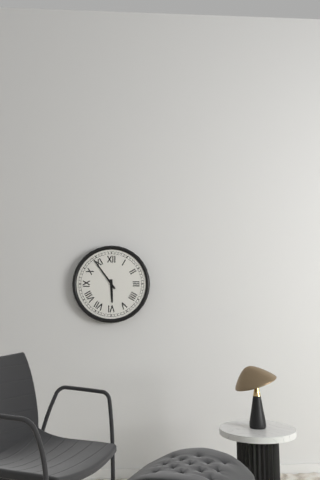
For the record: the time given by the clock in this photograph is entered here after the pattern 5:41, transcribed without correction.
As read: 5:54
